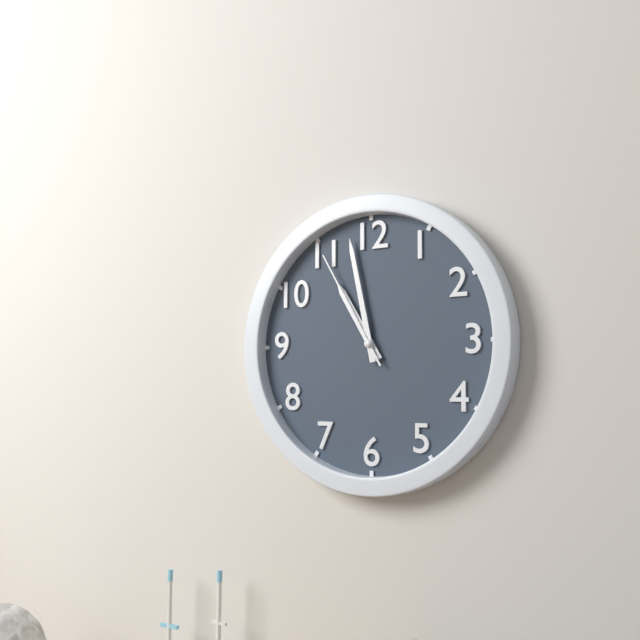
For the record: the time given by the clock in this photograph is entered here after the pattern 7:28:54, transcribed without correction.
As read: 10:58:55
